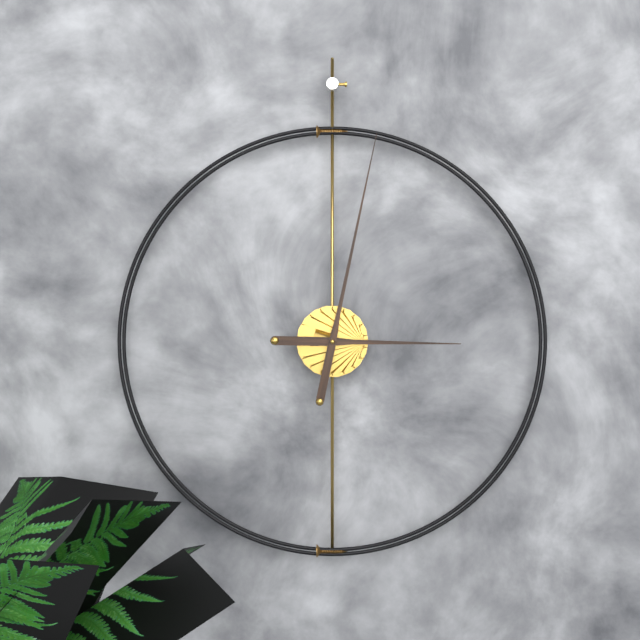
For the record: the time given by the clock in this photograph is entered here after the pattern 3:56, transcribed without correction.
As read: 3:02
